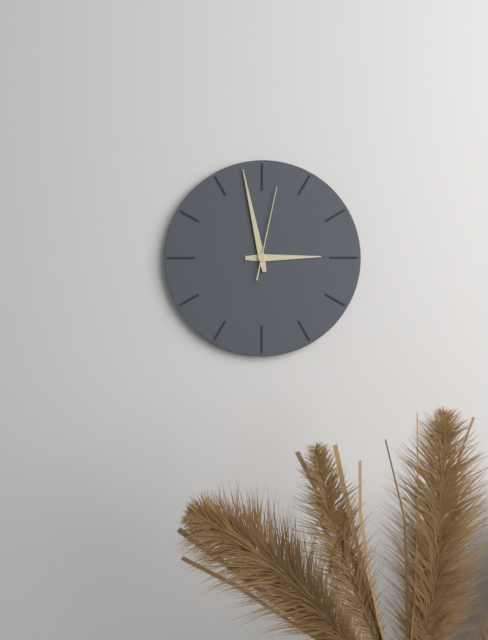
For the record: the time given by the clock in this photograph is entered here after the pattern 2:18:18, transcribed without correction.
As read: 2:58:02
